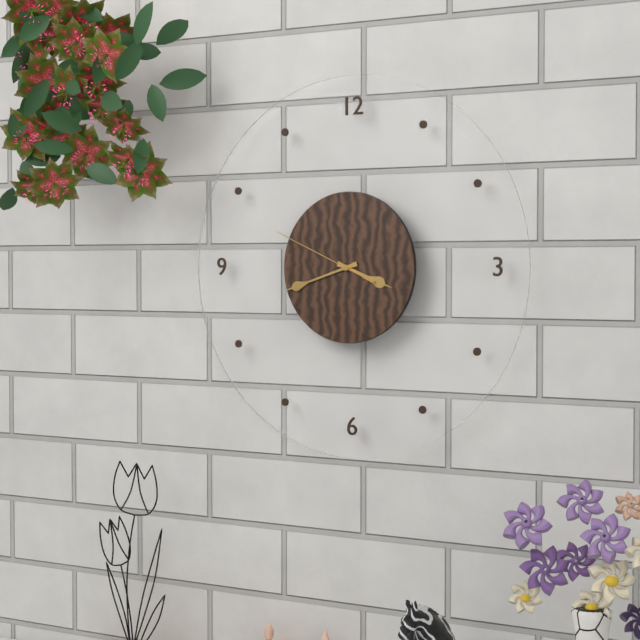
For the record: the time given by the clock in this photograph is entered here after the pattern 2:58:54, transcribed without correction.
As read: 3:42:49
